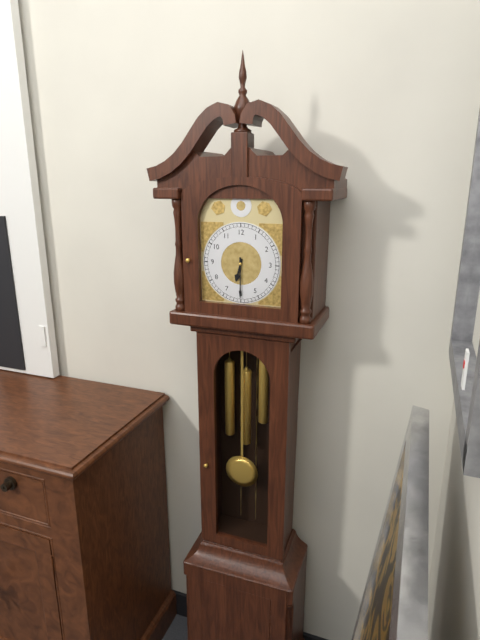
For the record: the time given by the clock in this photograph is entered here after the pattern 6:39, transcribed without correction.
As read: 6:30
